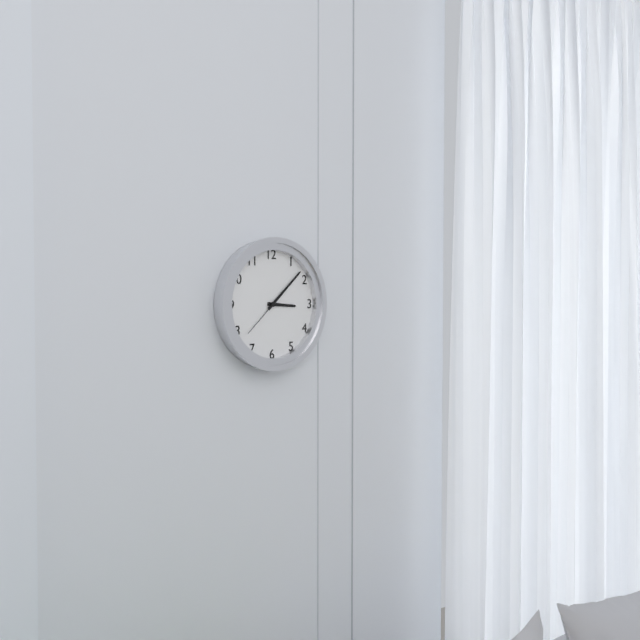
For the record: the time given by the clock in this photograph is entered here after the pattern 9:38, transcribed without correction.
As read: 3:08
